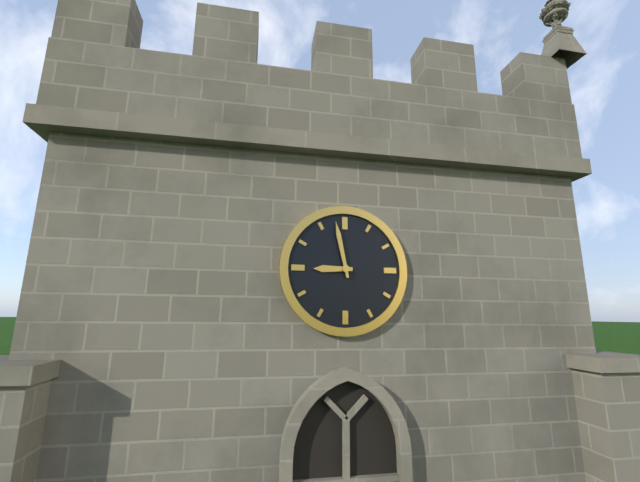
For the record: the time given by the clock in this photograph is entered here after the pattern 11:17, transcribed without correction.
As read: 8:58
